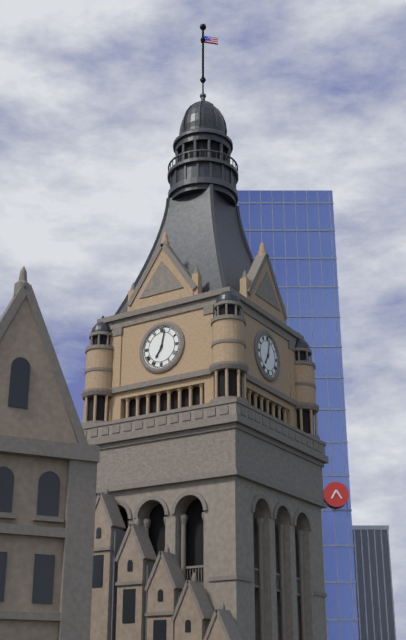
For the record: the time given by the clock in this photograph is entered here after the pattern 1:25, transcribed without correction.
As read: 7:02
